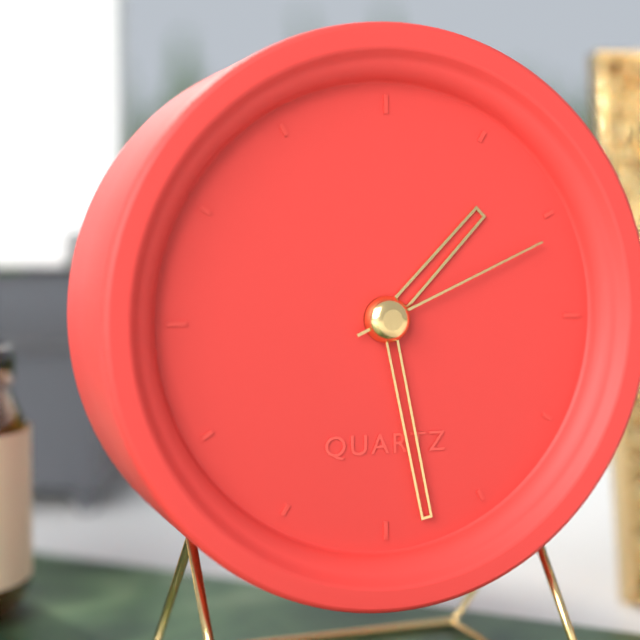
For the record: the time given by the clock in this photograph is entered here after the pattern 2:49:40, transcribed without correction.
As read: 1:28:11
